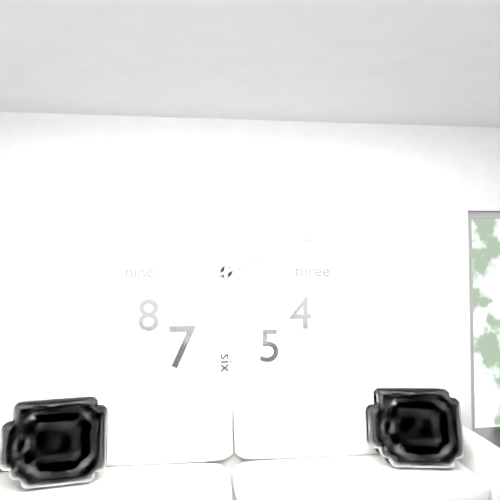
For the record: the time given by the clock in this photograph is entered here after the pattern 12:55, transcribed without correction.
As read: 12:11
